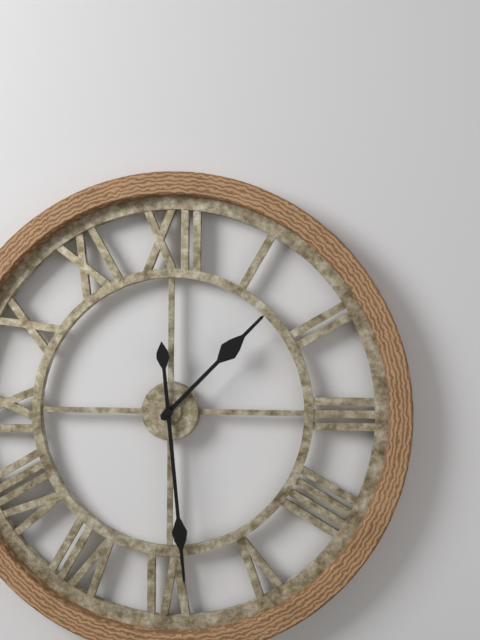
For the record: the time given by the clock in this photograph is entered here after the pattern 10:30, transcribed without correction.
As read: 1:29
